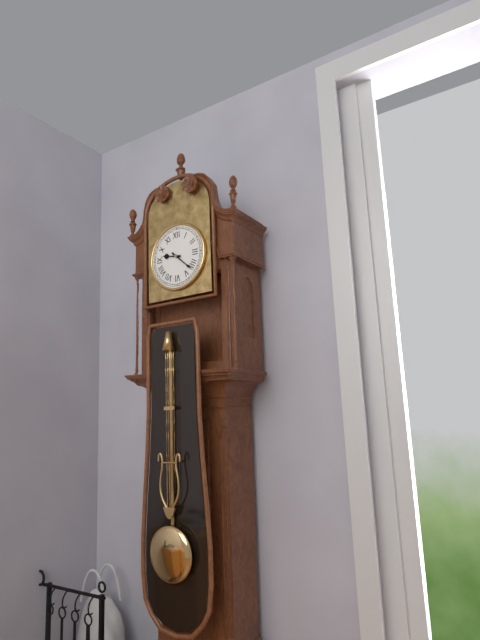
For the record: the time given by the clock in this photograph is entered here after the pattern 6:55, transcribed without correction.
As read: 9:22
